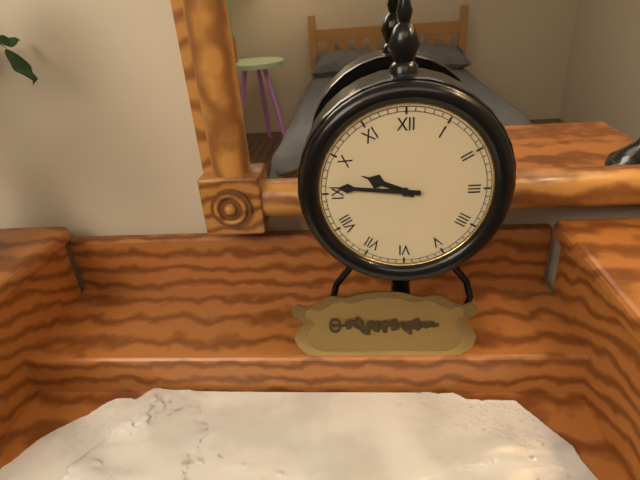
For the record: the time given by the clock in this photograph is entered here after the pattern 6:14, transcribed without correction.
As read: 9:46
